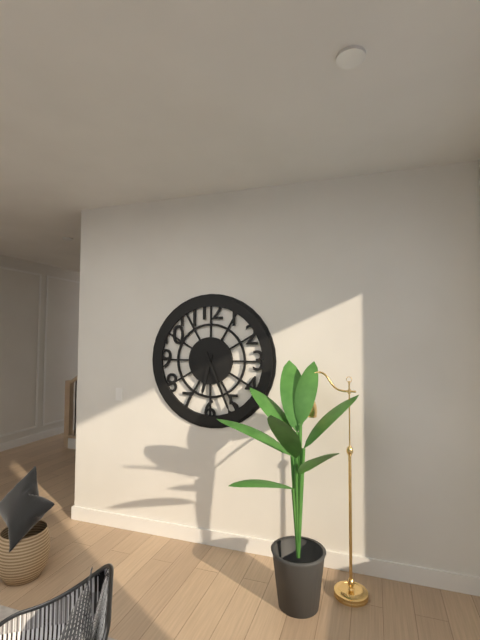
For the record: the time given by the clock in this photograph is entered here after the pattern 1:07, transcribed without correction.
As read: 6:26
